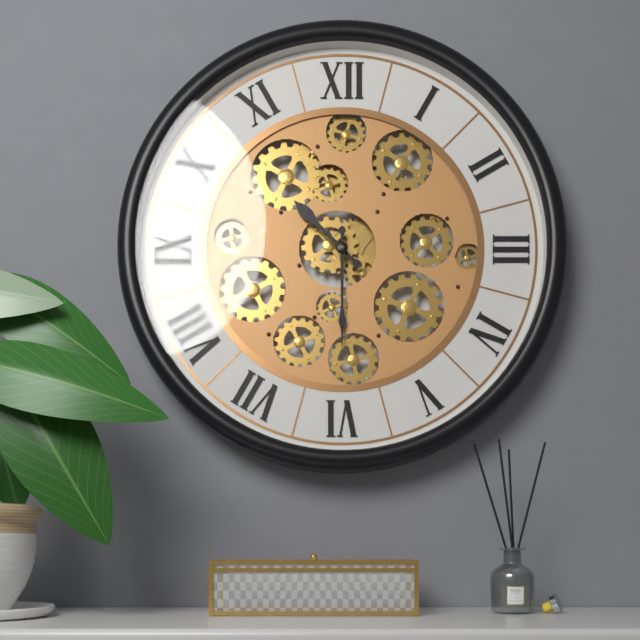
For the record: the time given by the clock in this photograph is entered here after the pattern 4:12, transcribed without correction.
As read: 10:30
